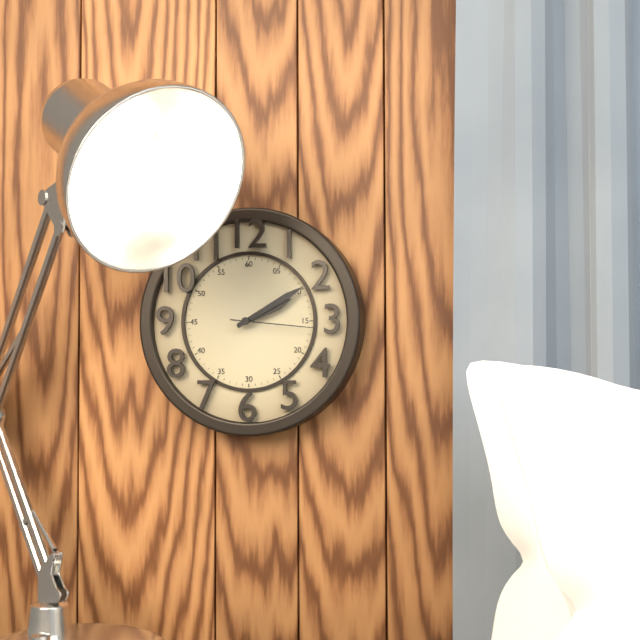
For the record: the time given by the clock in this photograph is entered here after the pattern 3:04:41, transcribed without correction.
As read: 2:10:16
